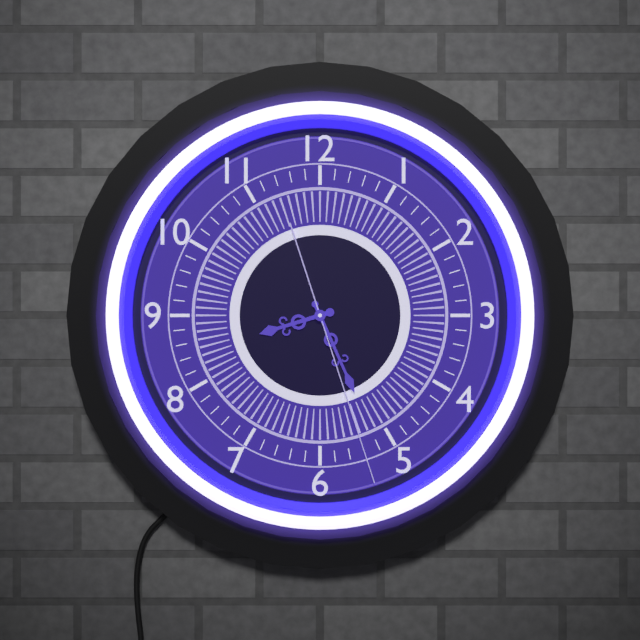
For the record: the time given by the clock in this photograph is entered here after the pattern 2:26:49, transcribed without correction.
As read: 8:26:27
